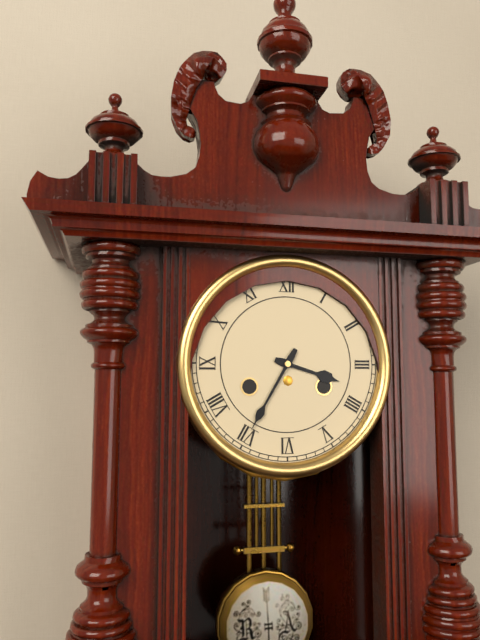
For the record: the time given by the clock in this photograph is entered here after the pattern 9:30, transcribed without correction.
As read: 3:35
